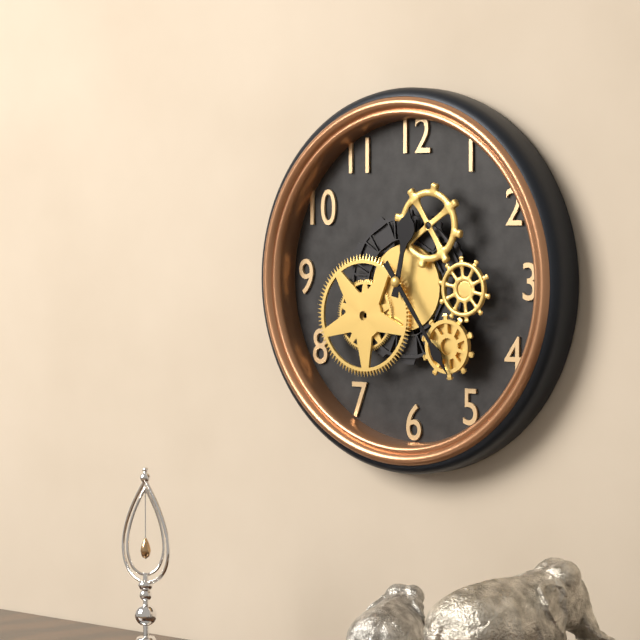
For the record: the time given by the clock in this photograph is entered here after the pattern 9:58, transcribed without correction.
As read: 12:24
